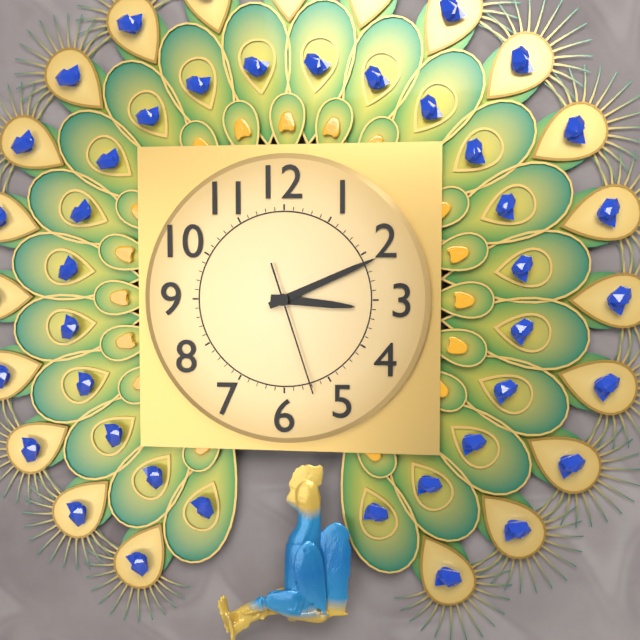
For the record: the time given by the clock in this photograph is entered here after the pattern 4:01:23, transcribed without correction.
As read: 3:11:27
